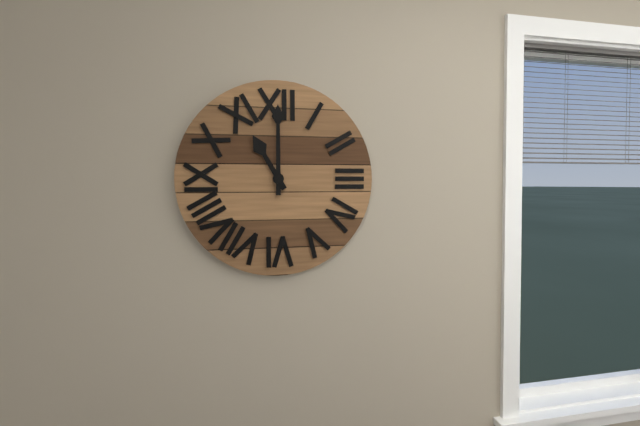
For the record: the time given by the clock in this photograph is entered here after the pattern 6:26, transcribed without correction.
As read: 11:00
